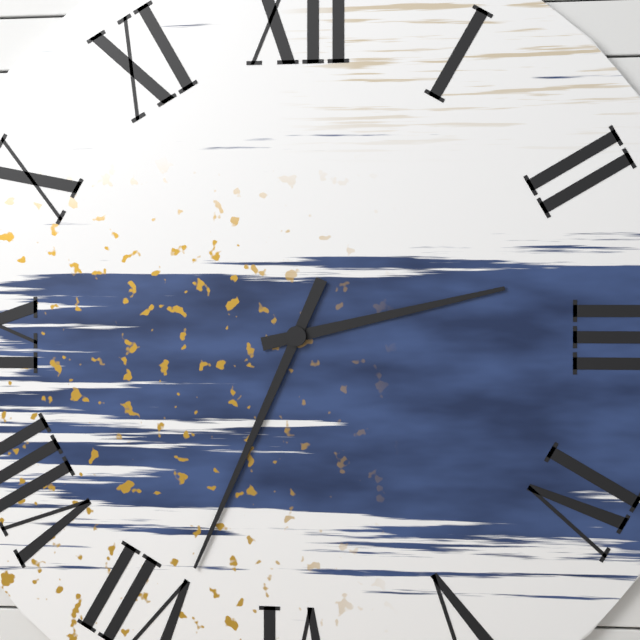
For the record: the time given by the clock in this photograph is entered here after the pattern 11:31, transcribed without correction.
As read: 2:34
